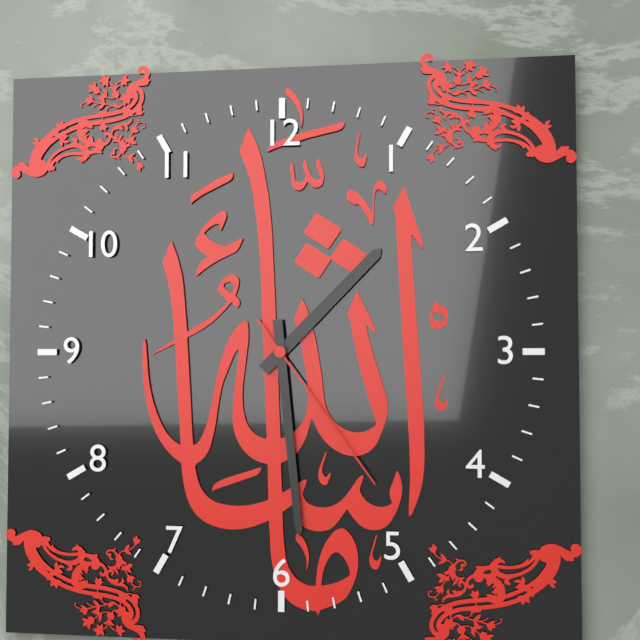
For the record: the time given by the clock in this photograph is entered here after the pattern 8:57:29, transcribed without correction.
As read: 1:29:24
